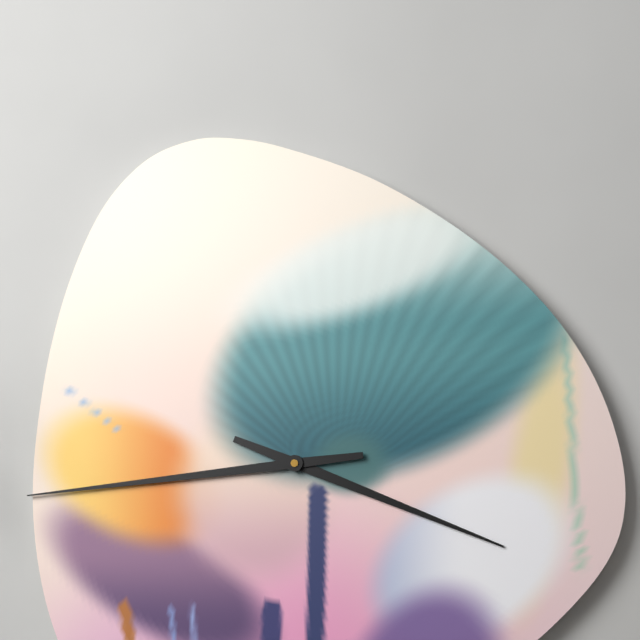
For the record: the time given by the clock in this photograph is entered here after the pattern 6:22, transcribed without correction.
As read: 3:44
